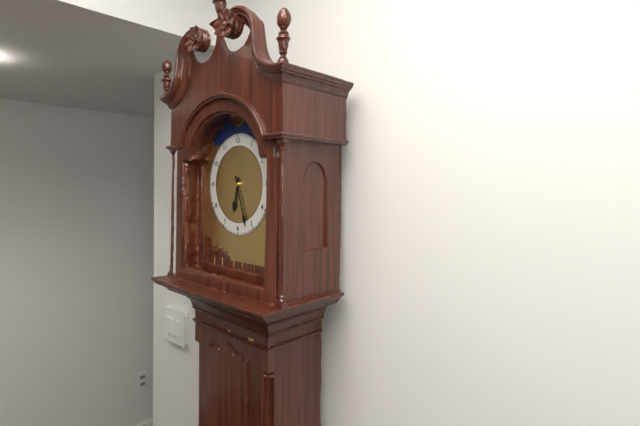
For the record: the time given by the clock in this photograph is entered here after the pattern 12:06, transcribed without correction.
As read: 6:27
